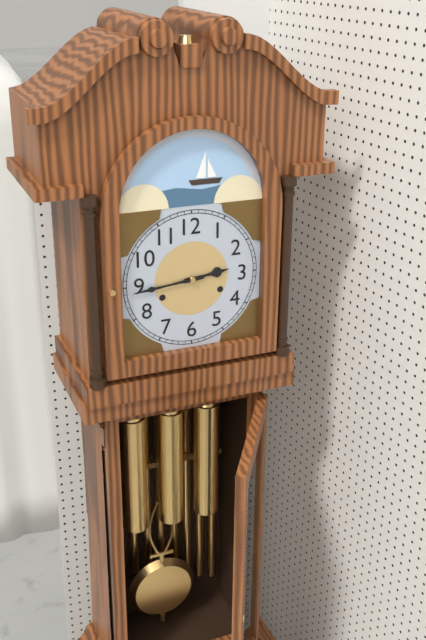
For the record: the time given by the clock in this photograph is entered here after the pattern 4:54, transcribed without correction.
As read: 2:44
